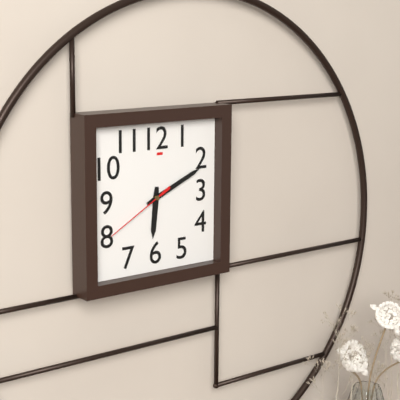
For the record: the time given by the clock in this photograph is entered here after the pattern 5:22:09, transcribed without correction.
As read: 6:11:40
